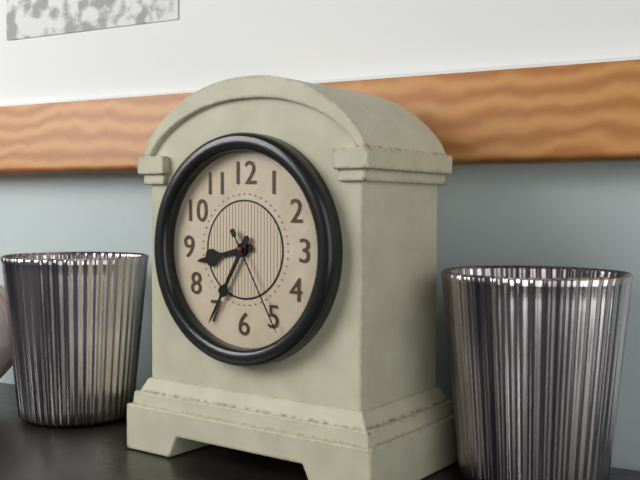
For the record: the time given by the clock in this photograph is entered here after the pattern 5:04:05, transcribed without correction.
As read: 8:35:25
